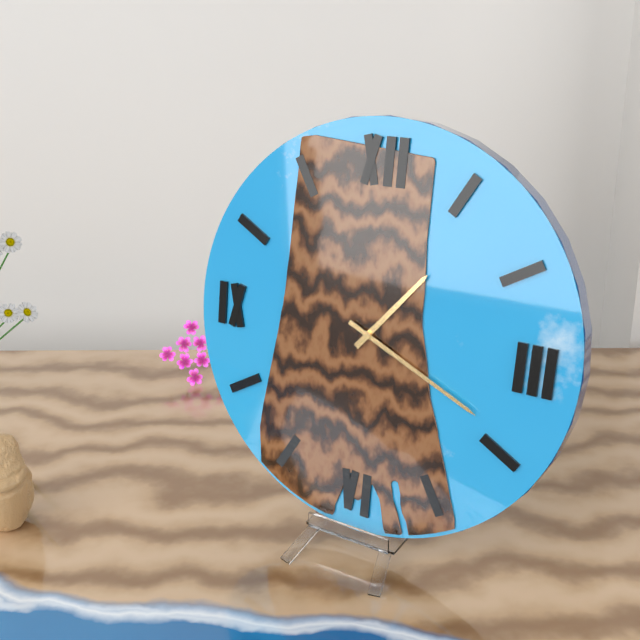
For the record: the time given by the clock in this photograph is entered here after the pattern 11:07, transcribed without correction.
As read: 1:19
